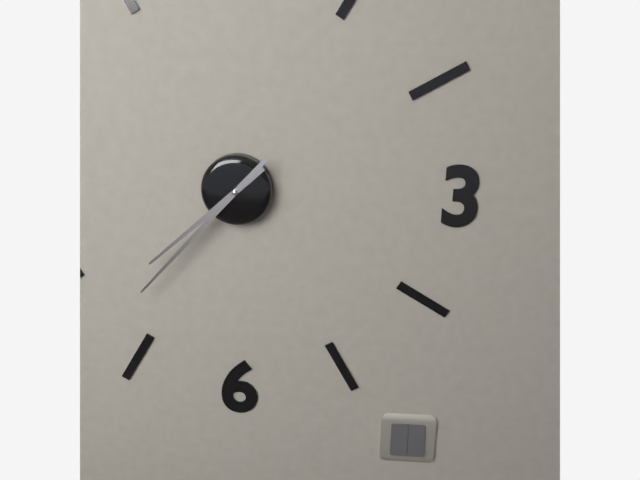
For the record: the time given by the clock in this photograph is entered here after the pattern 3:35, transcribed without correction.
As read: 7:37
